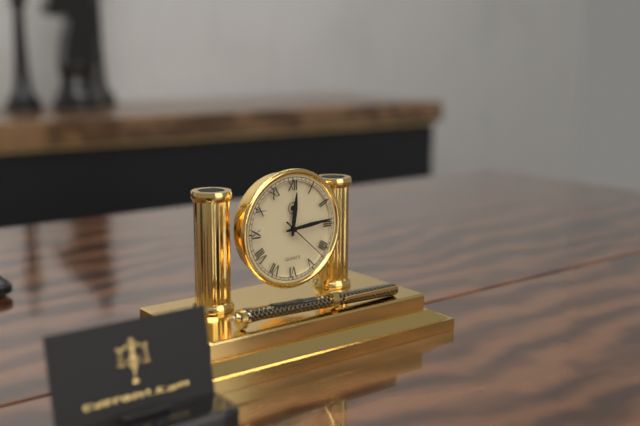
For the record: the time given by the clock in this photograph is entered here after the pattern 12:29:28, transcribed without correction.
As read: 12:14:22
